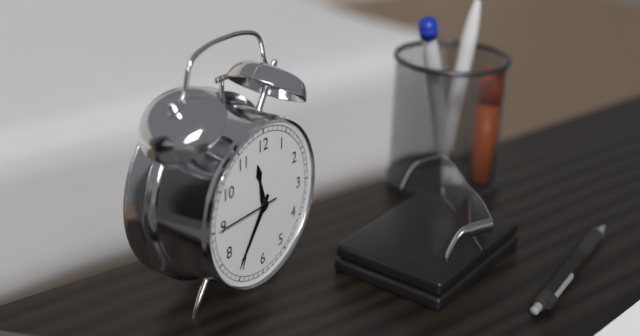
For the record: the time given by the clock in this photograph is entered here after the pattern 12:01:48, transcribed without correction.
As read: 11:36:45
